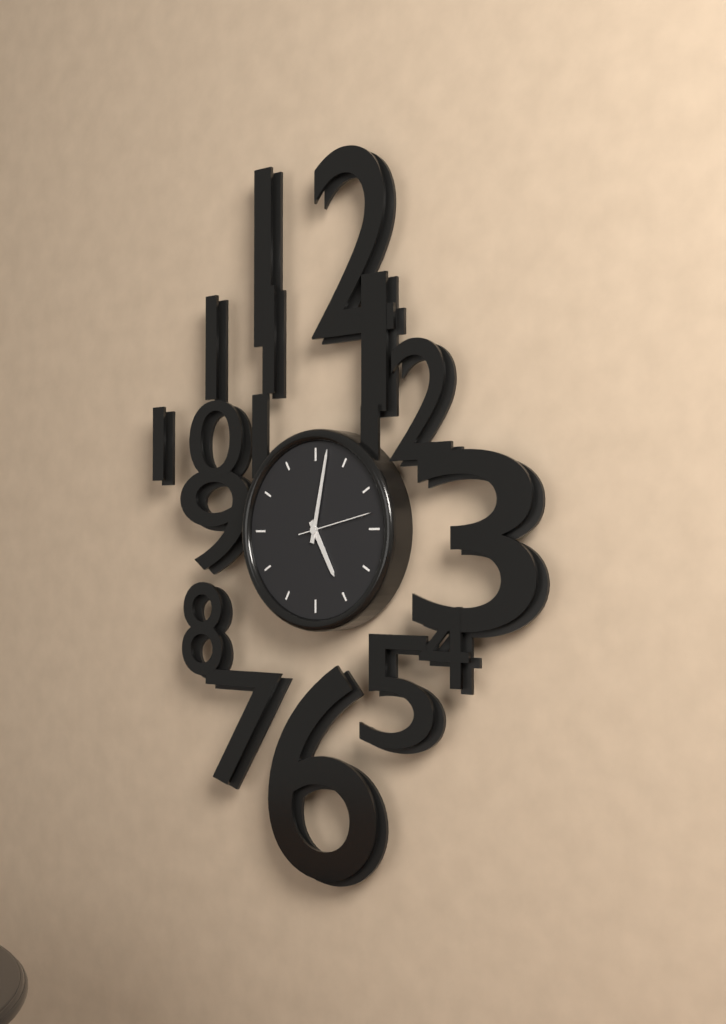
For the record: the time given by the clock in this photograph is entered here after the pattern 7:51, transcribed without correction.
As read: 5:02
